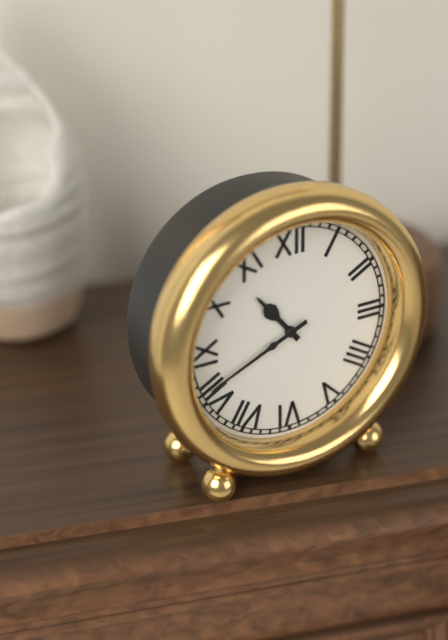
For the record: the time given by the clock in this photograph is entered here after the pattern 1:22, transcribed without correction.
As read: 10:41
